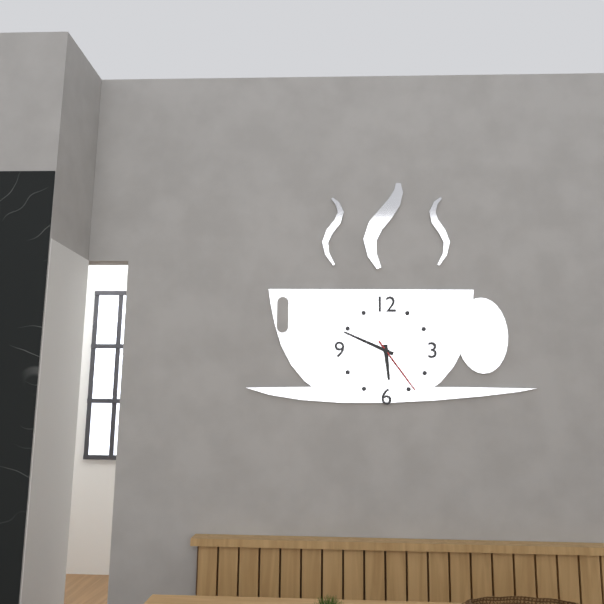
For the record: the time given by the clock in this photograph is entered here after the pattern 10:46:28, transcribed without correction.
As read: 5:49:24
